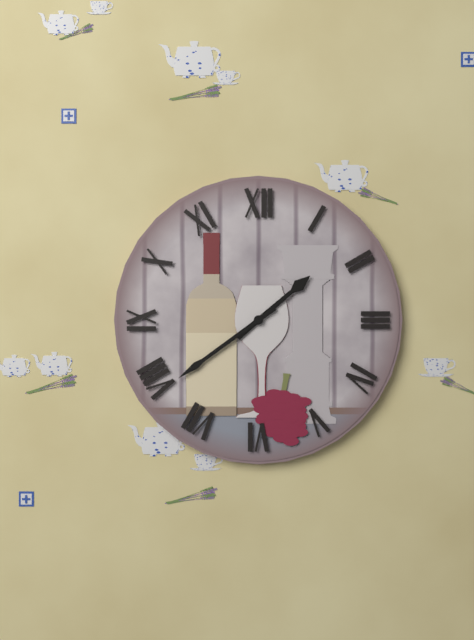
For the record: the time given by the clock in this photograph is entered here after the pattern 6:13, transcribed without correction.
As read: 1:39
